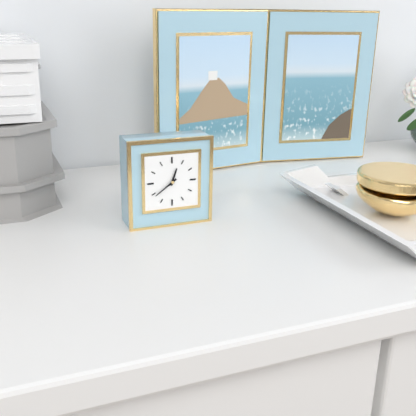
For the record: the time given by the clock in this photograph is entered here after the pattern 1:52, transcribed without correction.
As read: 12:39
